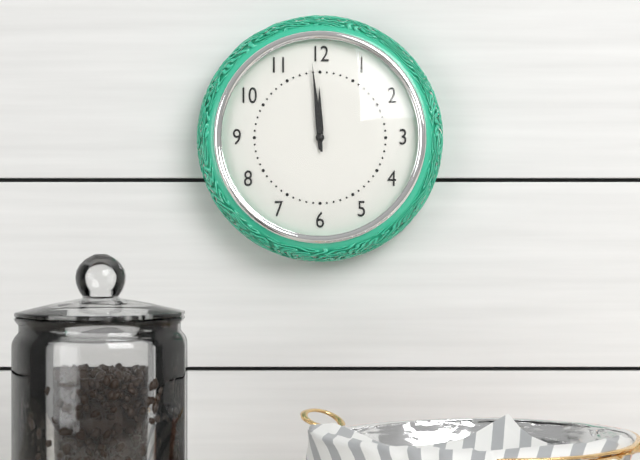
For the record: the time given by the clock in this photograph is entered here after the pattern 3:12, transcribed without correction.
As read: 11:59
